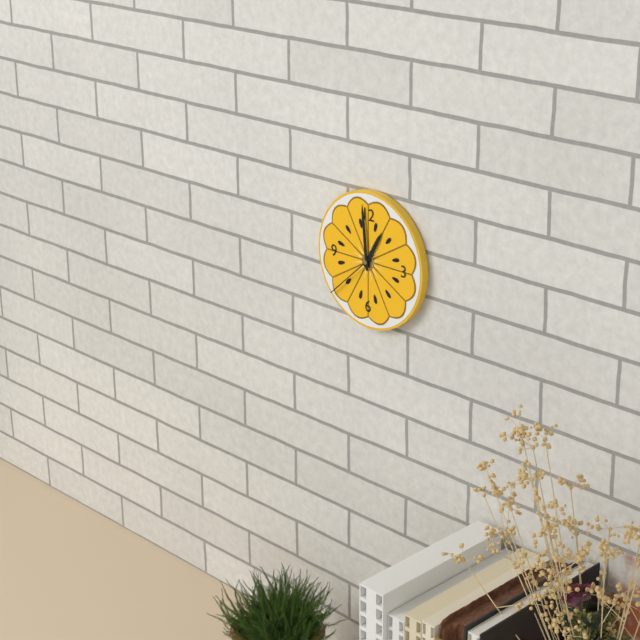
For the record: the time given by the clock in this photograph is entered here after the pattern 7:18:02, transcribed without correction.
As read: 12:59:38
